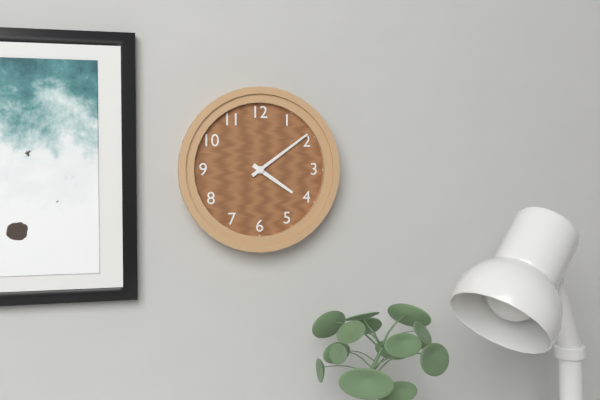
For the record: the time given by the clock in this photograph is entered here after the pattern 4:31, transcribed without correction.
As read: 4:09
